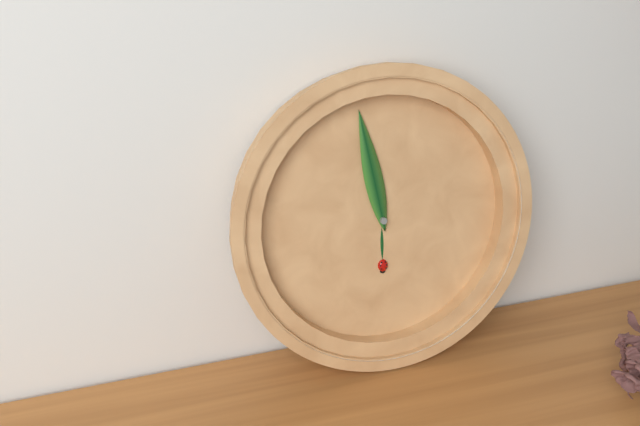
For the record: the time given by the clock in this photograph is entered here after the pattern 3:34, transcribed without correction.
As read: 5:58
